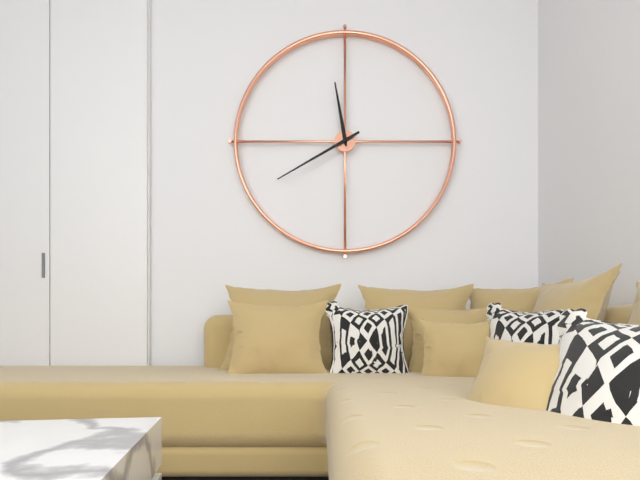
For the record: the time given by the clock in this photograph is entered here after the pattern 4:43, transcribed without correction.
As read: 11:40
